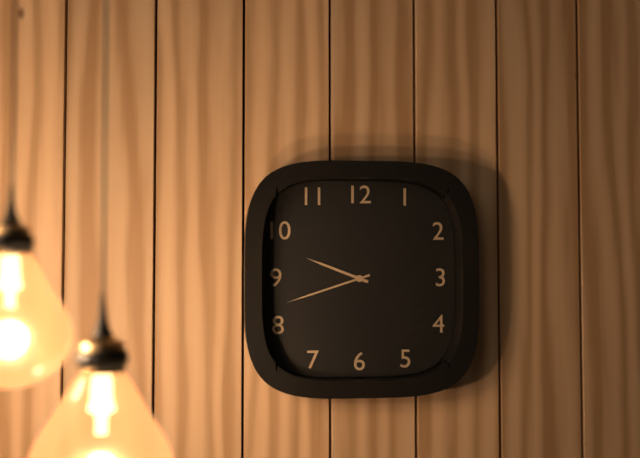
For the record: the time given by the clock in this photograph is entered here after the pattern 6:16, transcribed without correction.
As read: 9:42
